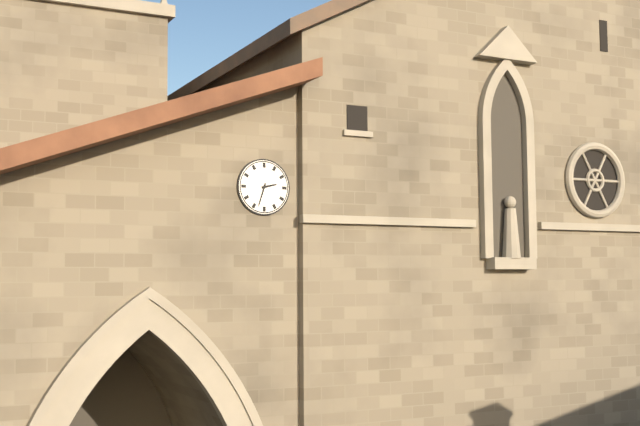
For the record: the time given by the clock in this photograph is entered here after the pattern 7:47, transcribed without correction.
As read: 2:33
